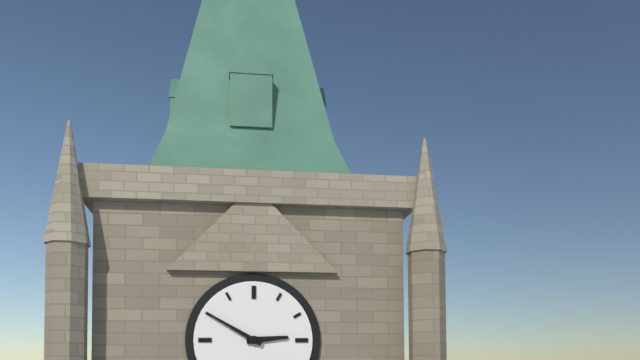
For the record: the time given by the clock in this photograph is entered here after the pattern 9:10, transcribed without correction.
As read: 2:50
